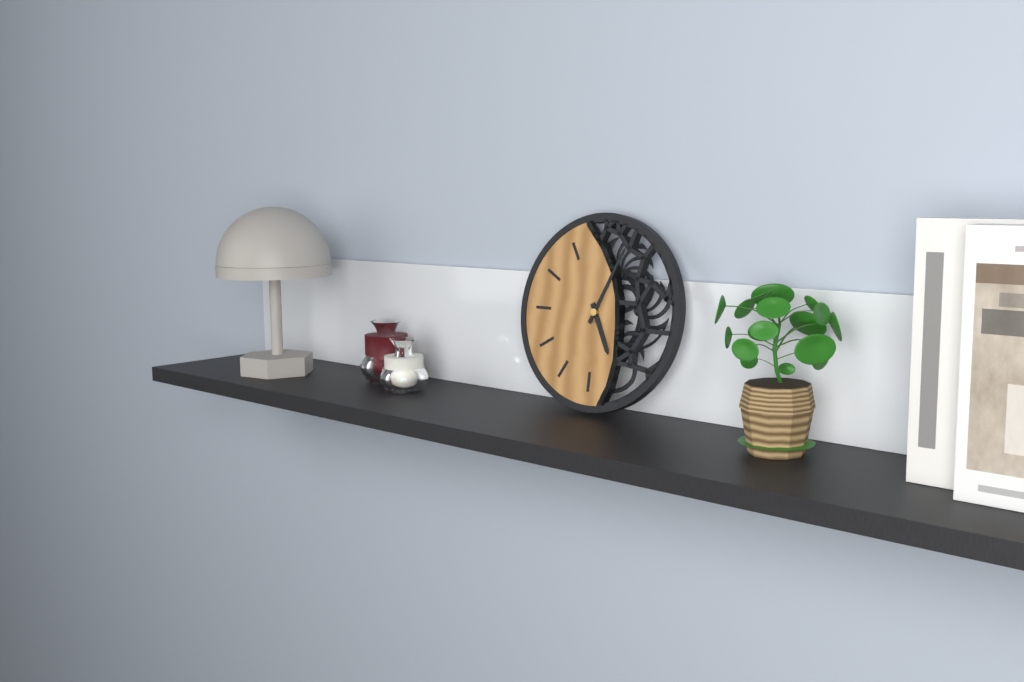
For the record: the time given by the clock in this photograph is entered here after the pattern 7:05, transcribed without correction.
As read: 5:04
